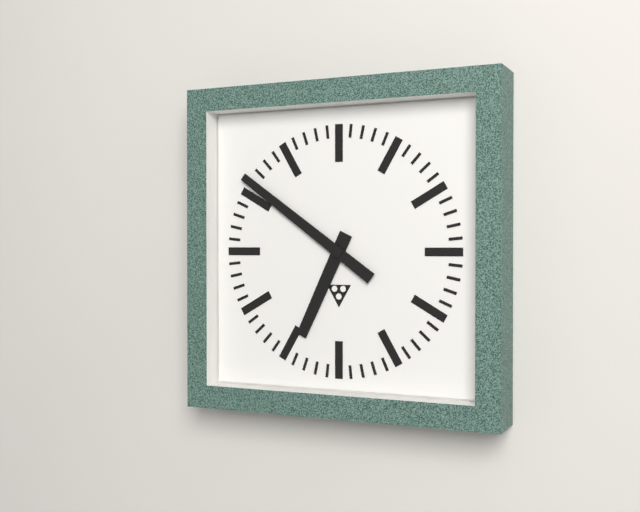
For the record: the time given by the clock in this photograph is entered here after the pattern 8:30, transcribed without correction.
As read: 6:51
